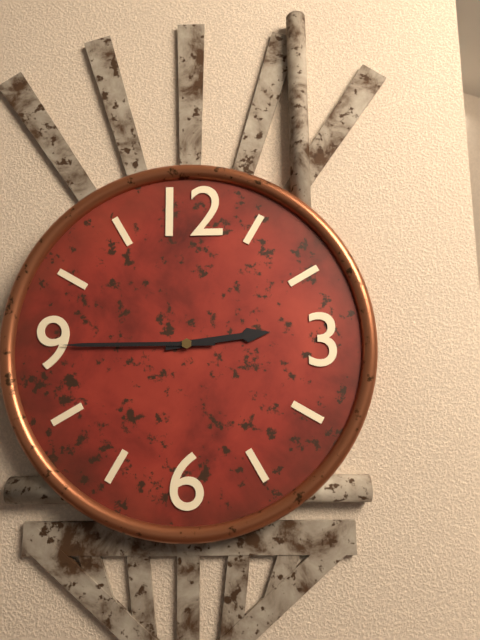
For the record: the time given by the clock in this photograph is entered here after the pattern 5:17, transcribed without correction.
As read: 2:45
